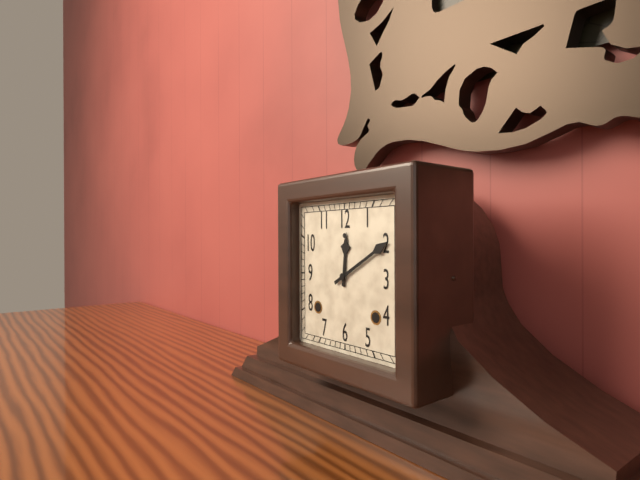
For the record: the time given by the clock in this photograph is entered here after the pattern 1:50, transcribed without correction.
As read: 12:10
